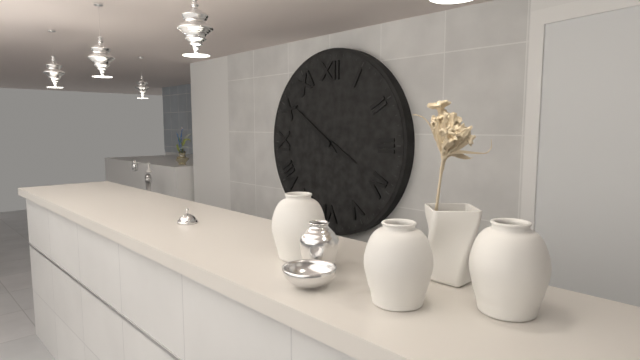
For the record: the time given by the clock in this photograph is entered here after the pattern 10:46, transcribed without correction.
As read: 3:51
